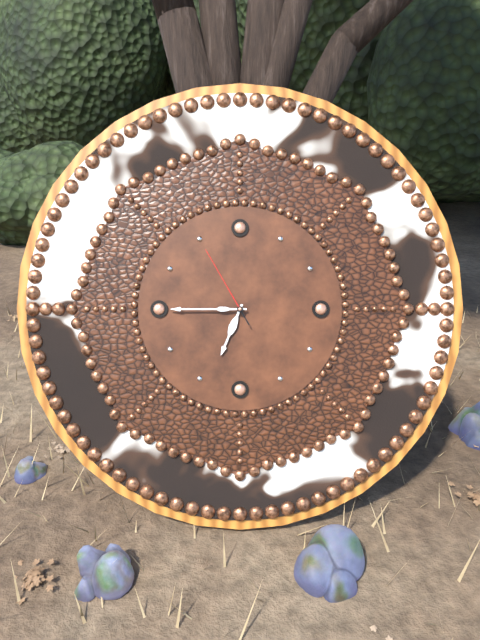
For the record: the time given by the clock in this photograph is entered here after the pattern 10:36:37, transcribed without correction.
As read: 6:45:55
